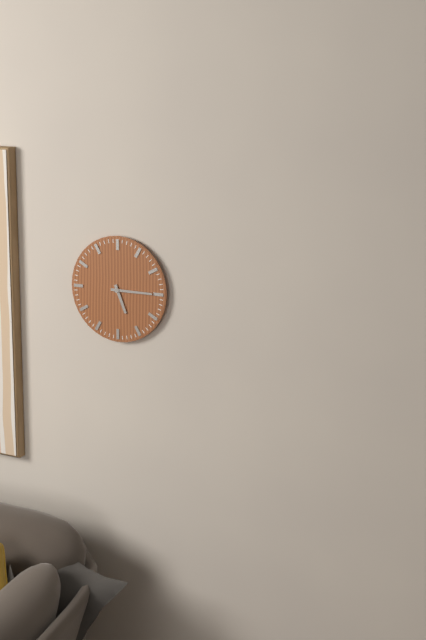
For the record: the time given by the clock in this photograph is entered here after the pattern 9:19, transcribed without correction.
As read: 5:15
